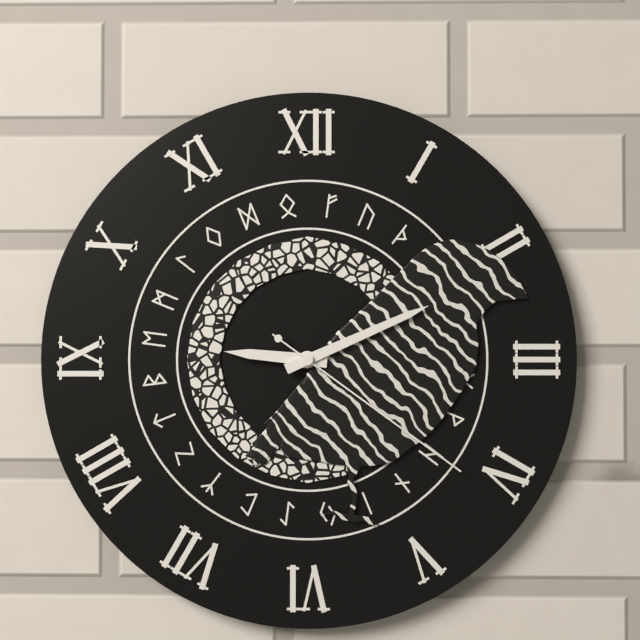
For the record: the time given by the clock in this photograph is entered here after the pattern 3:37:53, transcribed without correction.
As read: 9:11:21
